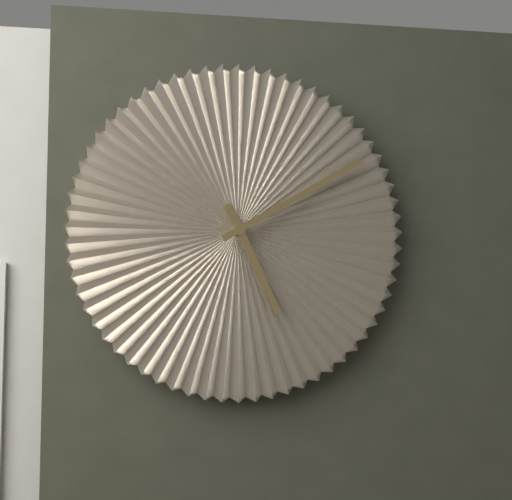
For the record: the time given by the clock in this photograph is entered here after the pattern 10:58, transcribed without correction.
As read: 5:10
